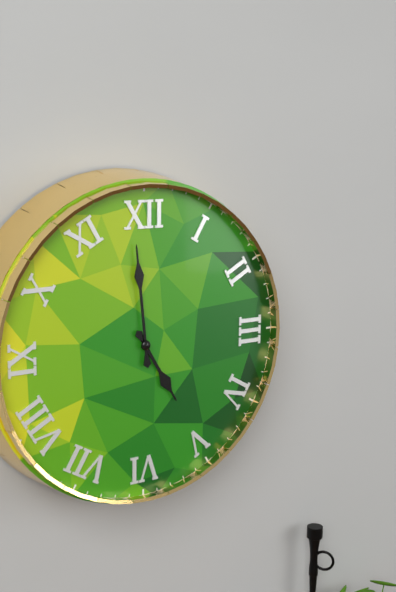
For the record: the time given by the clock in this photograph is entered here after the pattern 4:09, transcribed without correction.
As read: 4:59
